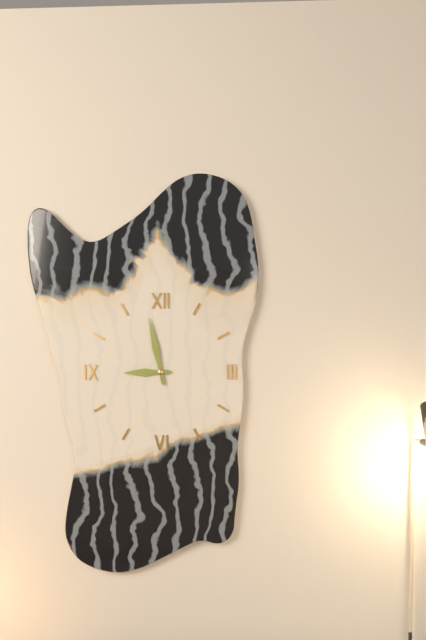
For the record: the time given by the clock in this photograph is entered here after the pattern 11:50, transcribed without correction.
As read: 8:58
